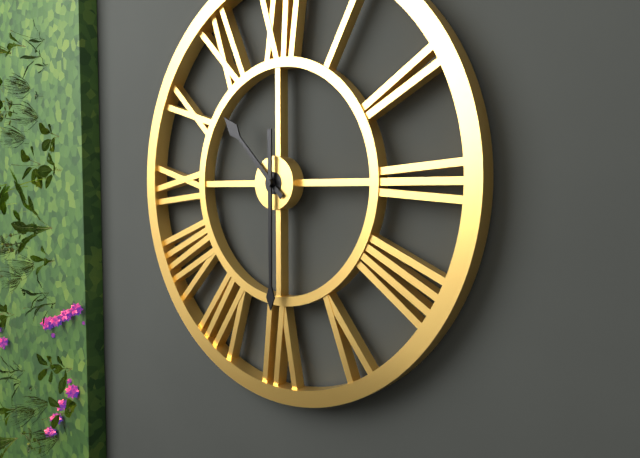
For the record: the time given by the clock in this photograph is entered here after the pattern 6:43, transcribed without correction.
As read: 10:30
